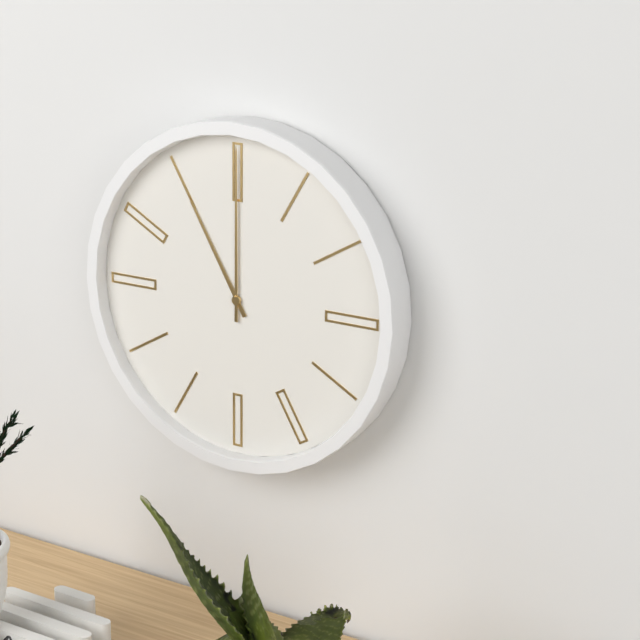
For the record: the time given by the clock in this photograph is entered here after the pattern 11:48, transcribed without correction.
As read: 11:00
